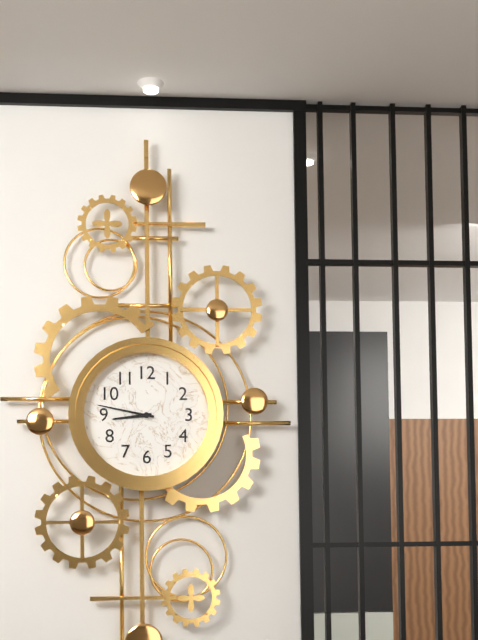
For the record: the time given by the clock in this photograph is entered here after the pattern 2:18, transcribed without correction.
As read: 8:47
